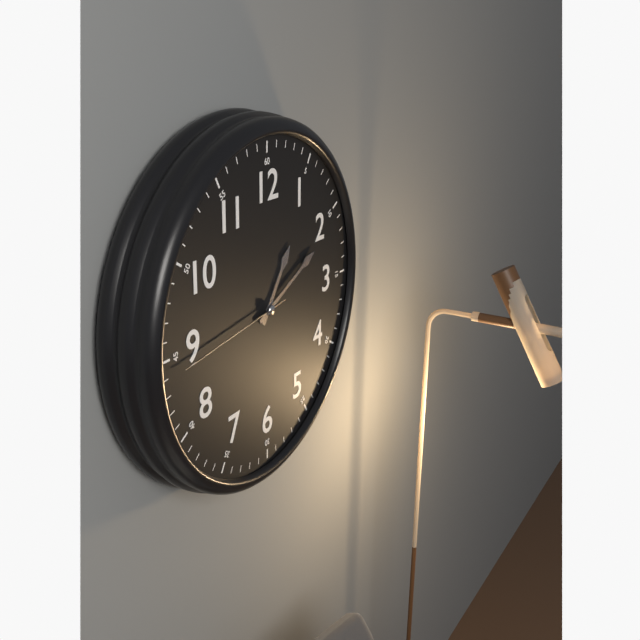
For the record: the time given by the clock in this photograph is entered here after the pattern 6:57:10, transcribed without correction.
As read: 1:11:44
